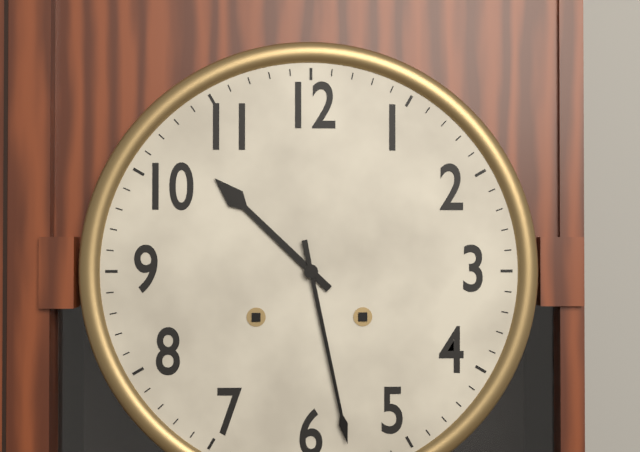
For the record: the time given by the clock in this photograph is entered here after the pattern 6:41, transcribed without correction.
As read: 10:28
